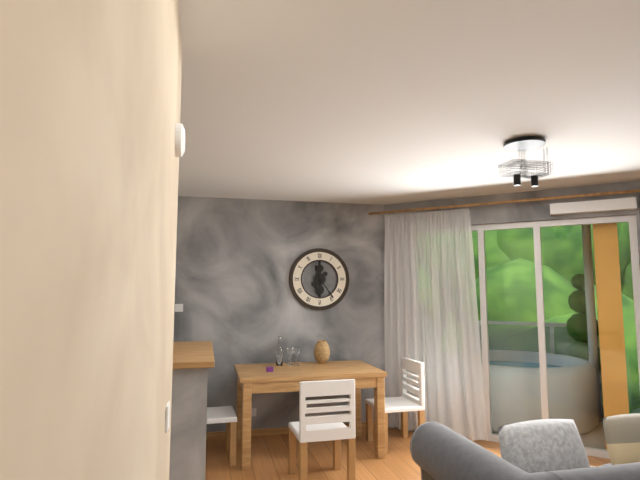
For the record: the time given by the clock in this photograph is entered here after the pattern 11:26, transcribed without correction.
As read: 11:24
